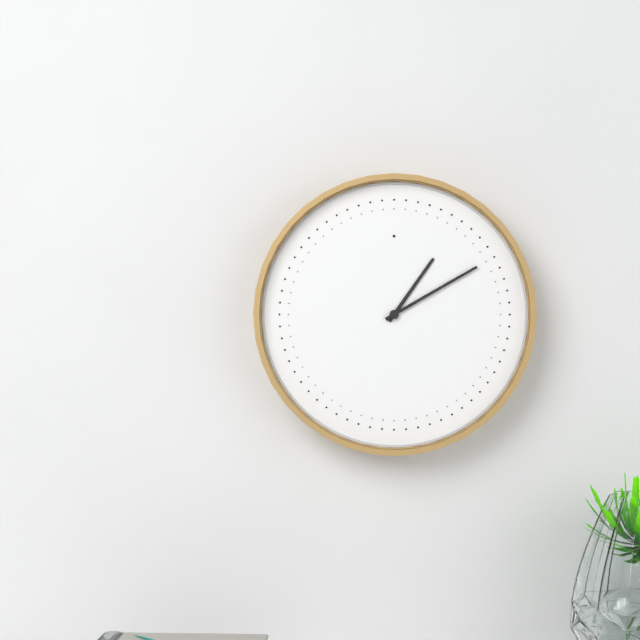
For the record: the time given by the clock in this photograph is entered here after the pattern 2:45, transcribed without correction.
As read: 1:10
